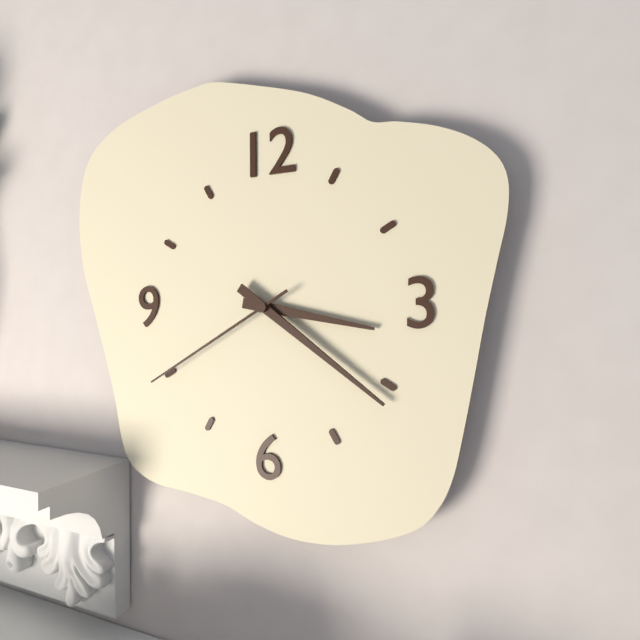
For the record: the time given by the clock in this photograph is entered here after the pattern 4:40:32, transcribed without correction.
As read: 3:21:40
